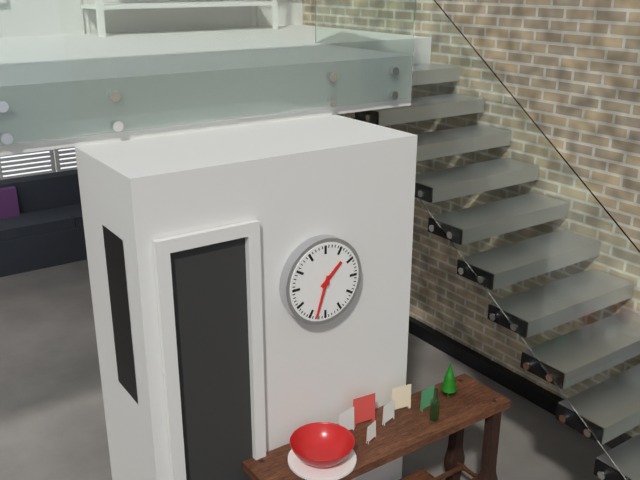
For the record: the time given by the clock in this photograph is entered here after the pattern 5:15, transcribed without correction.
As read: 1:33
